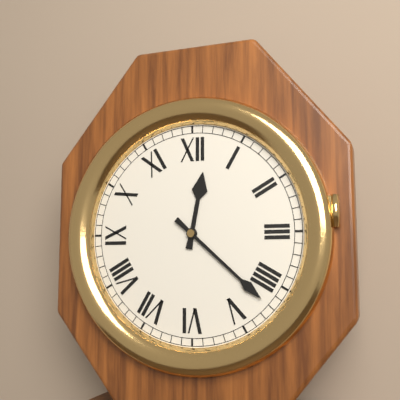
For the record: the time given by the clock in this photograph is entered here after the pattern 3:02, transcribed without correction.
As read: 12:22
